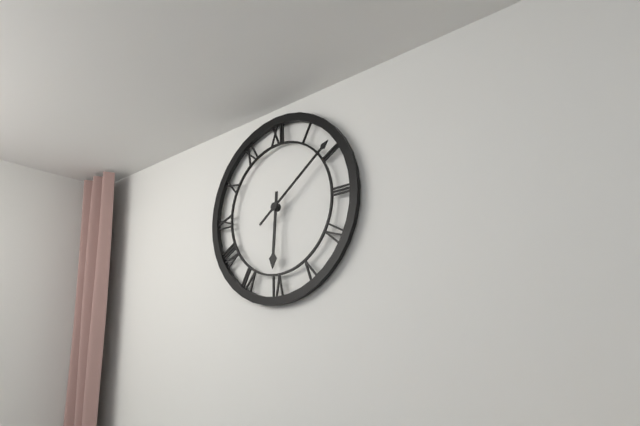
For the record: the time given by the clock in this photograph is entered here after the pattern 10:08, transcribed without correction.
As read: 6:09
